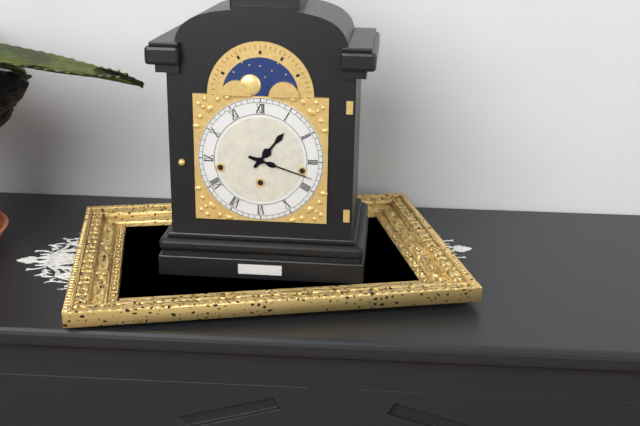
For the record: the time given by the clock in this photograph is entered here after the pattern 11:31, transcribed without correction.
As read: 1:18
